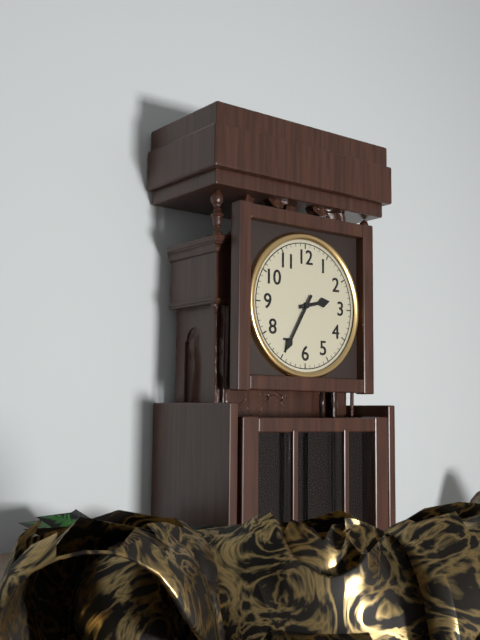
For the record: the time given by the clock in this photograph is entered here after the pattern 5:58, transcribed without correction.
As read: 2:35
